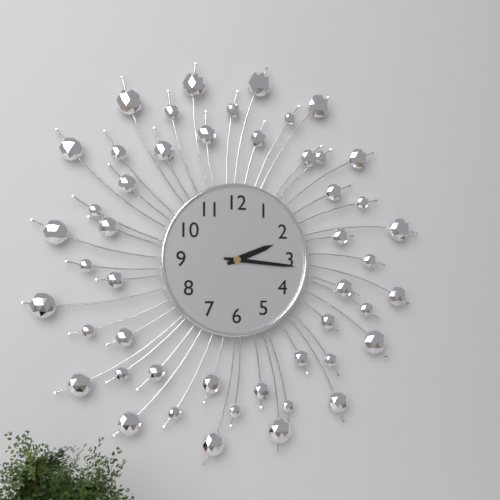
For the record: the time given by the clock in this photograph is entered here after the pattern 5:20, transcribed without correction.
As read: 2:16
